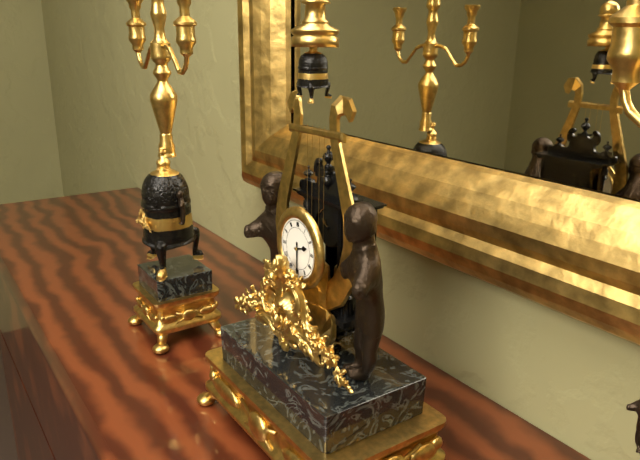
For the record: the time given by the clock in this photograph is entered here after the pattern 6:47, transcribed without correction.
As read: 2:30
